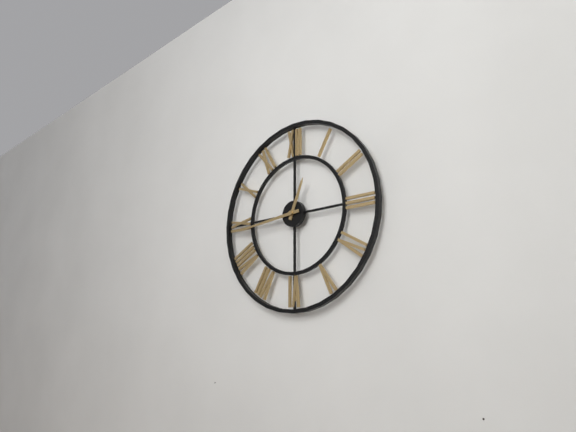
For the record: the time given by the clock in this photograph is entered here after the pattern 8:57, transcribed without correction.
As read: 12:44
